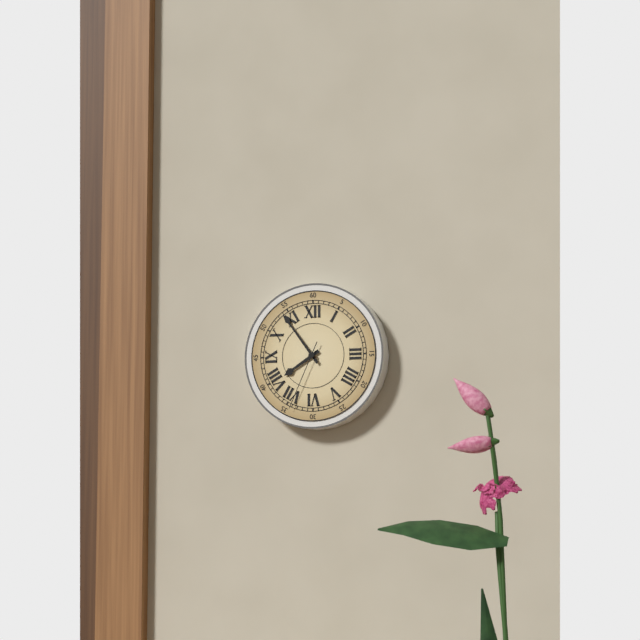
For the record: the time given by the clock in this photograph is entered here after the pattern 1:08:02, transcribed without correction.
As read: 7:54:34
